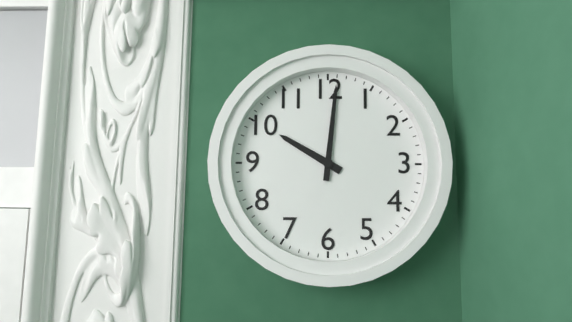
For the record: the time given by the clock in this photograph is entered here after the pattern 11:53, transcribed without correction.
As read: 10:01
